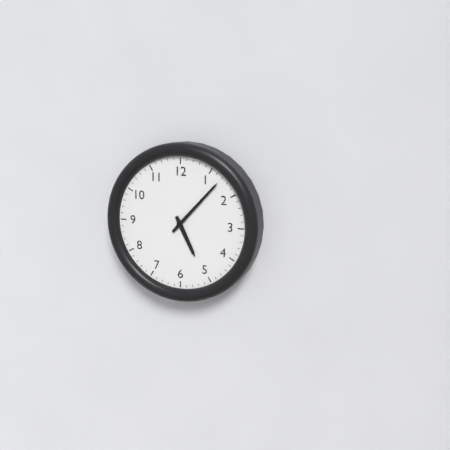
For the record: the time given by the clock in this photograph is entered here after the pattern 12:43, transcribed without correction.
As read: 5:07
